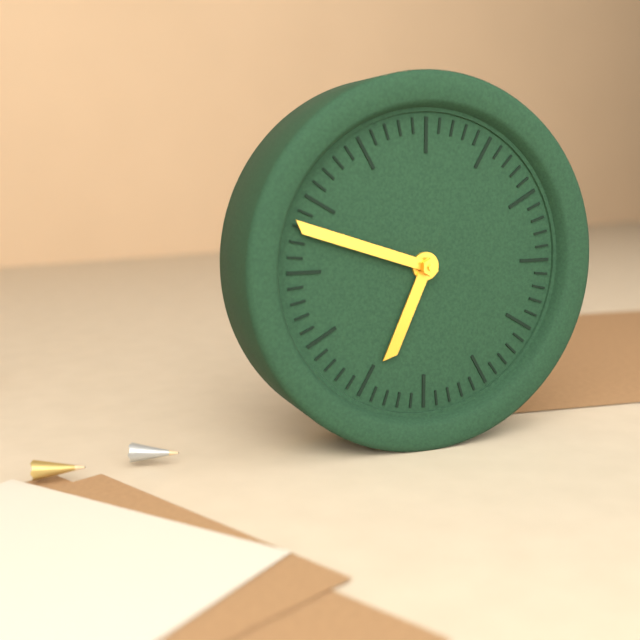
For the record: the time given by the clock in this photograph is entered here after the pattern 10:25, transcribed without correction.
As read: 6:48
